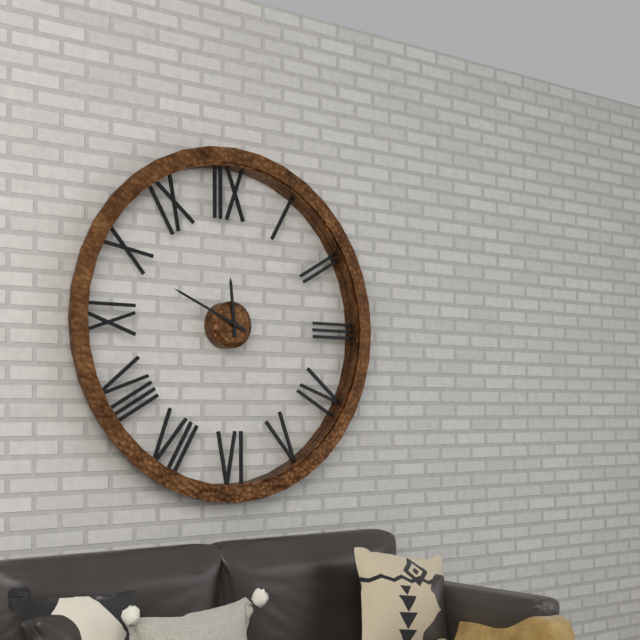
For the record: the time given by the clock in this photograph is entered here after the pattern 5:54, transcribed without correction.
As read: 11:49
